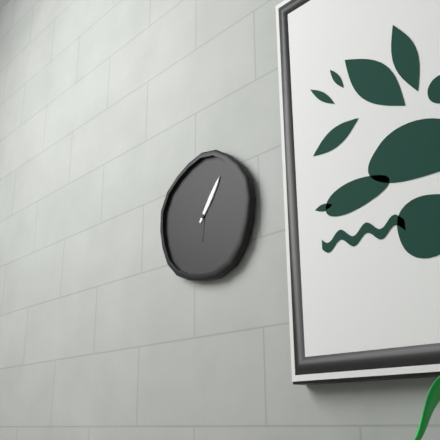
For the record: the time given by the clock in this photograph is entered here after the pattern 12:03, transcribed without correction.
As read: 6:06
